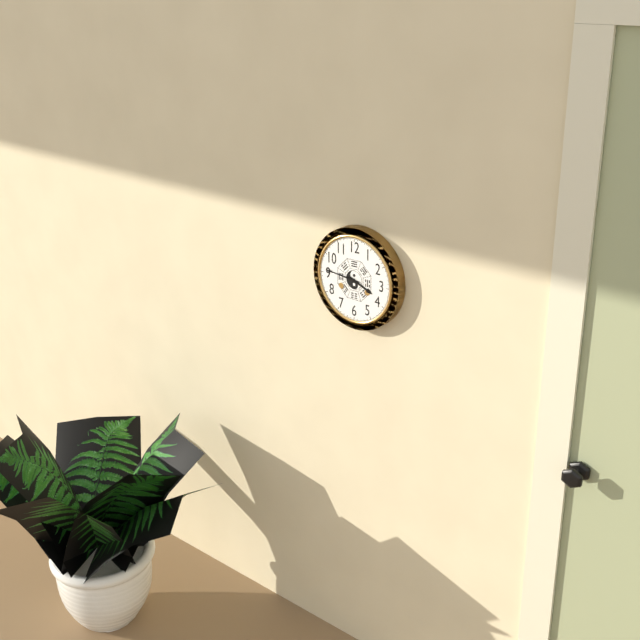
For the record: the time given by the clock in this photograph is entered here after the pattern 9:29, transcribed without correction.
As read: 3:46
